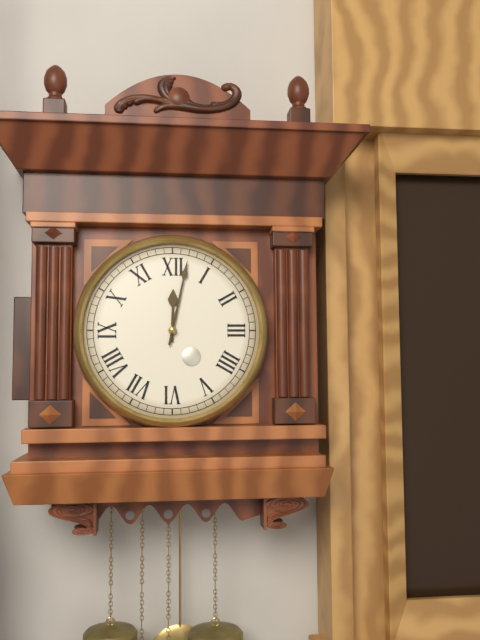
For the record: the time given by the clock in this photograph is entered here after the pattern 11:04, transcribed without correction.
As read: 12:02
